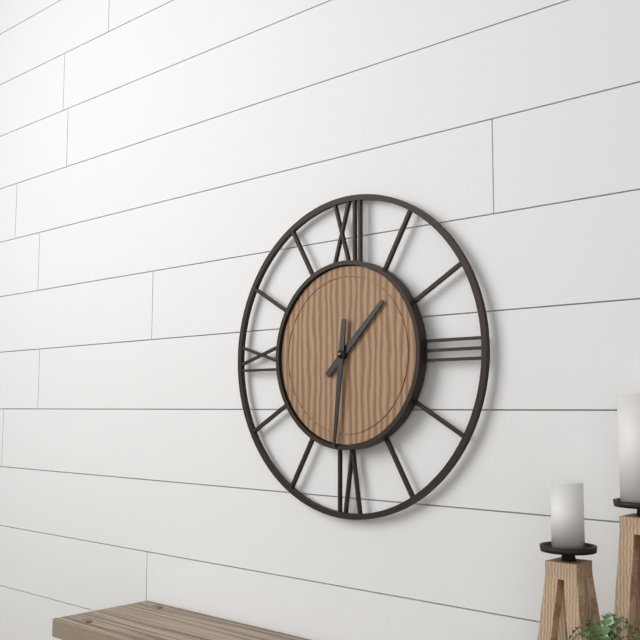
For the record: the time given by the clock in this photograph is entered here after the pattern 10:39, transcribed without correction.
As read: 1:31
